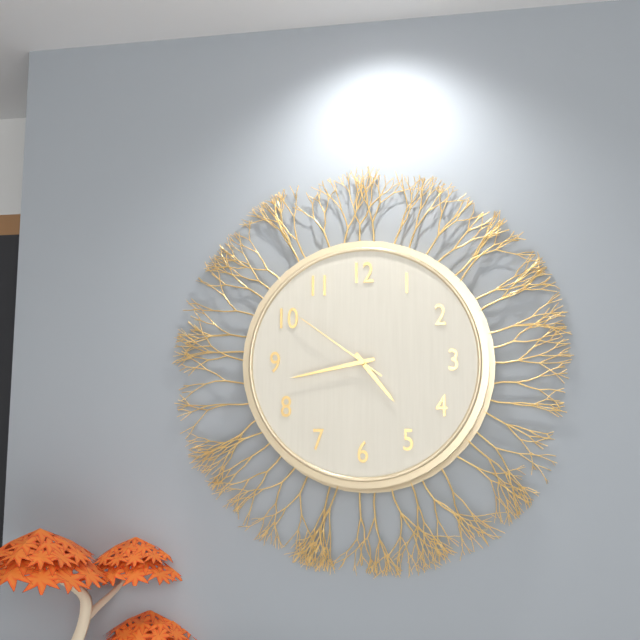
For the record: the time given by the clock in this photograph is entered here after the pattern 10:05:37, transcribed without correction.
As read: 4:43:51
